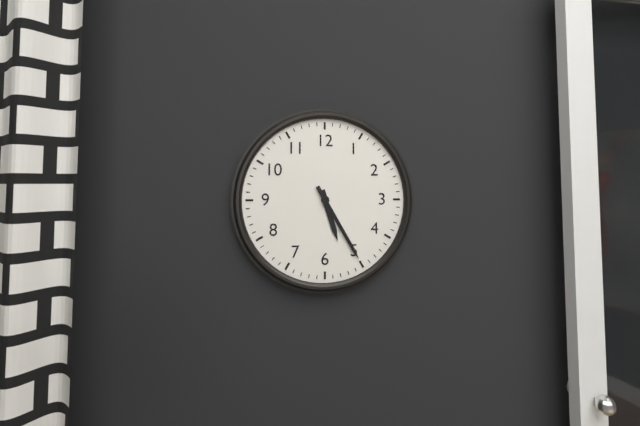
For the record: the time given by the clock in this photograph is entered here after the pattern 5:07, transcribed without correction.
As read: 5:25
